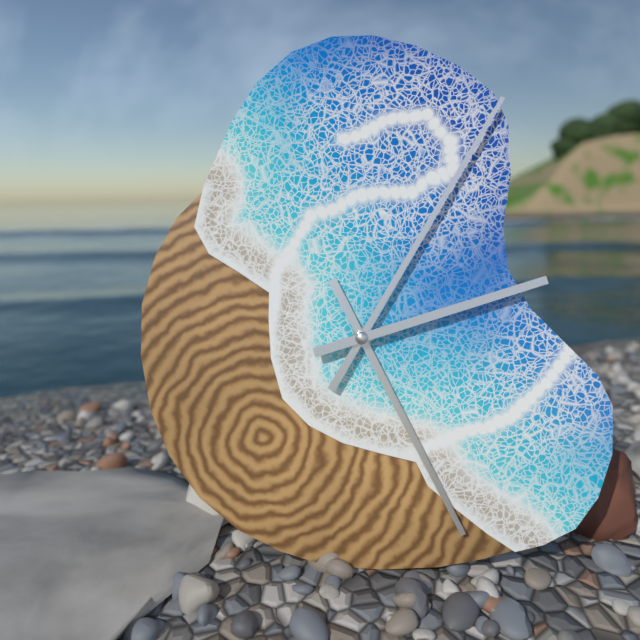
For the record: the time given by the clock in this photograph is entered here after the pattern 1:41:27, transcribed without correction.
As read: 5:05:12
